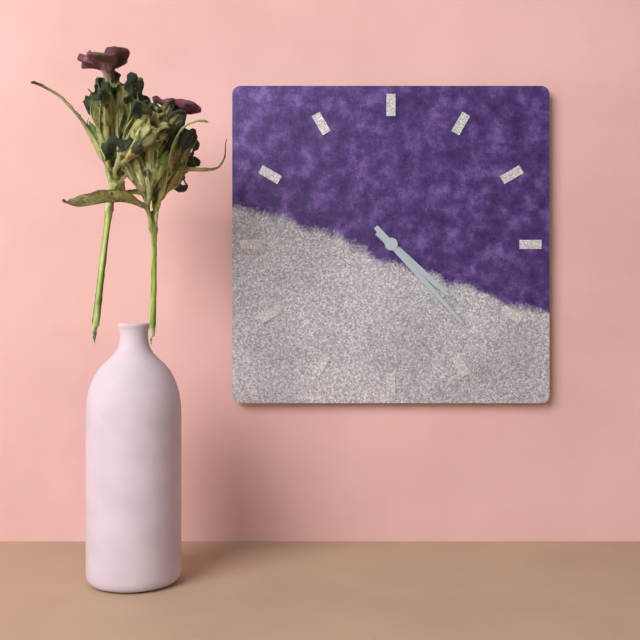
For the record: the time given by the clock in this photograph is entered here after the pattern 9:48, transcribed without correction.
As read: 4:23
